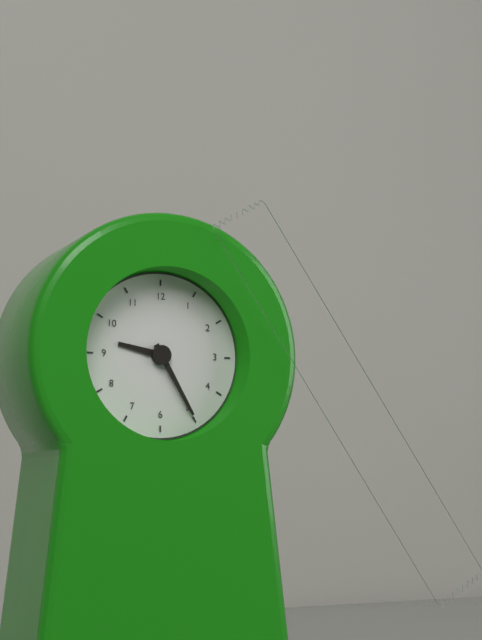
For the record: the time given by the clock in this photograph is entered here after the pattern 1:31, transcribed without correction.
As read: 9:25
